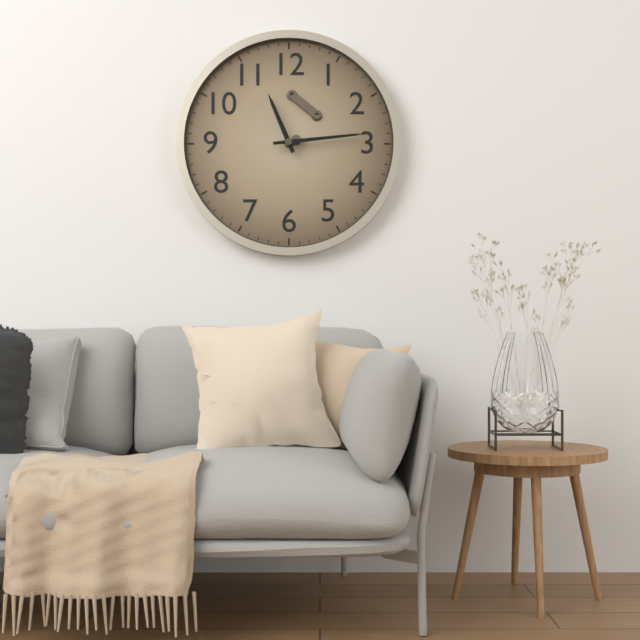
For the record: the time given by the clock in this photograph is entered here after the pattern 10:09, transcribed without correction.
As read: 11:14
